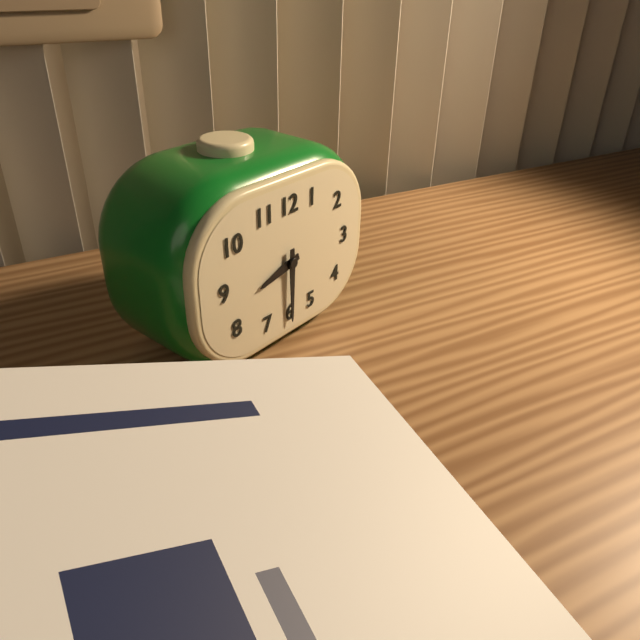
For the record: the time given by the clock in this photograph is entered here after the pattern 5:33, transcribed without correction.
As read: 8:30
